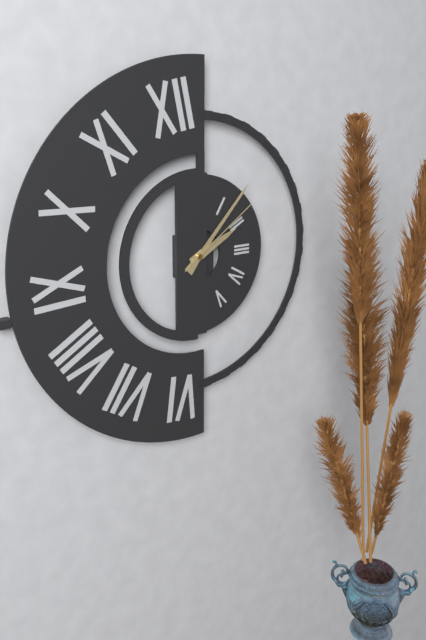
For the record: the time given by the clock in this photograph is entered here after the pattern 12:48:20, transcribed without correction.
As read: 2:07:09
